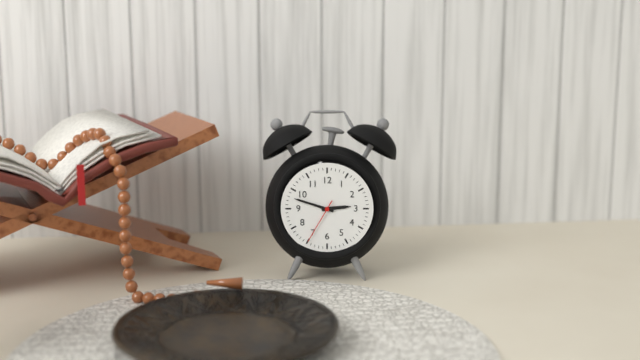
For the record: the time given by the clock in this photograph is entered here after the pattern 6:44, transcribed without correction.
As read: 2:48
